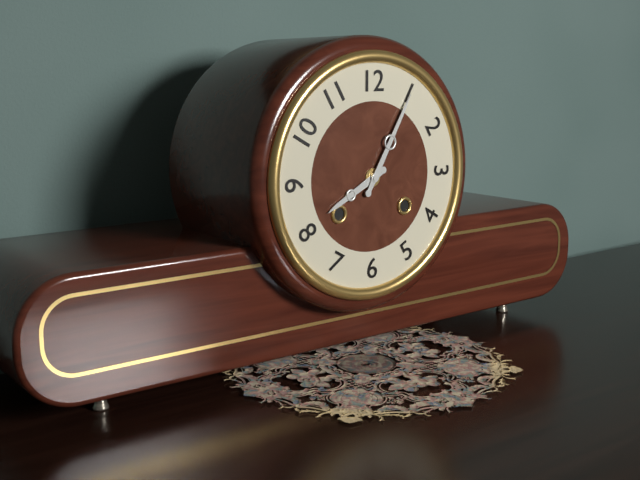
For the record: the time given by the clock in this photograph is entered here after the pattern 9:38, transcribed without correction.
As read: 8:05
